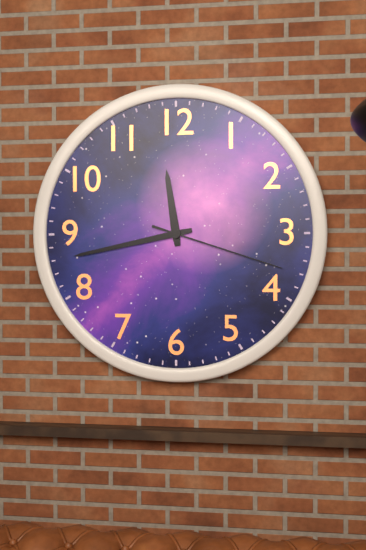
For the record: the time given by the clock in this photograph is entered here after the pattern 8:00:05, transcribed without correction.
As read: 11:43:18
